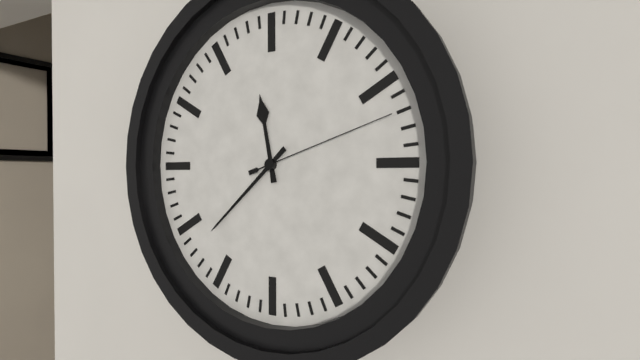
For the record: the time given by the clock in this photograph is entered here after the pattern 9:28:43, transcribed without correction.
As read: 11:38:12
